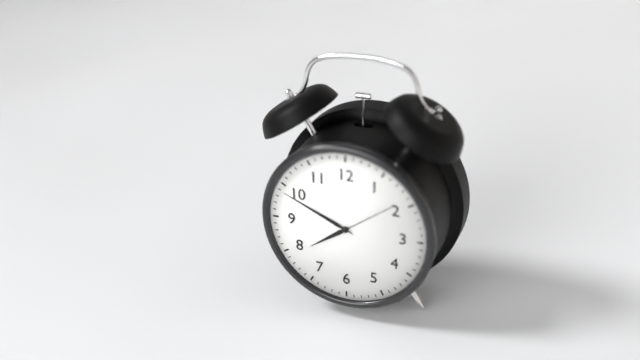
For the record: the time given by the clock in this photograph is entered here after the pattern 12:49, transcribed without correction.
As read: 7:49
